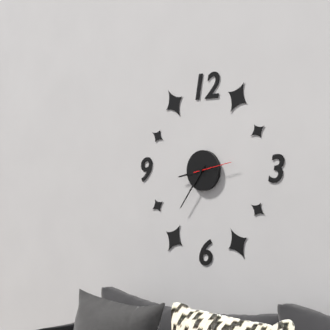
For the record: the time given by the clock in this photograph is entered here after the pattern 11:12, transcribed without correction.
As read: 8:36
